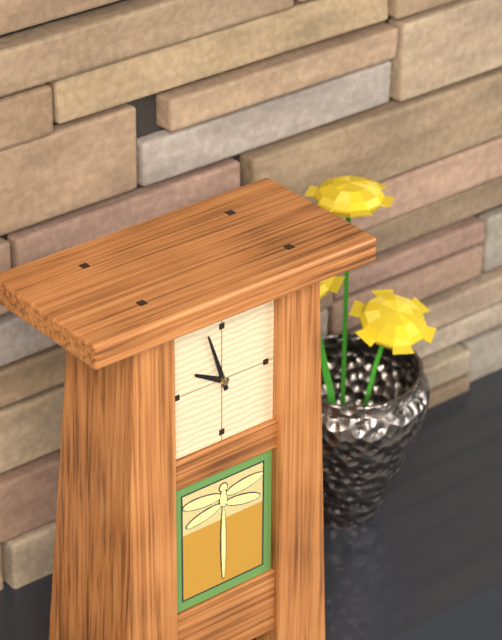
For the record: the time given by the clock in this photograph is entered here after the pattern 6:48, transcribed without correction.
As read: 9:57
